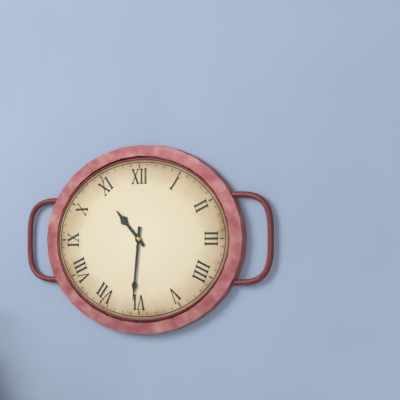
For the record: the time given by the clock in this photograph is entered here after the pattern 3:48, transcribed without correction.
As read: 10:31
